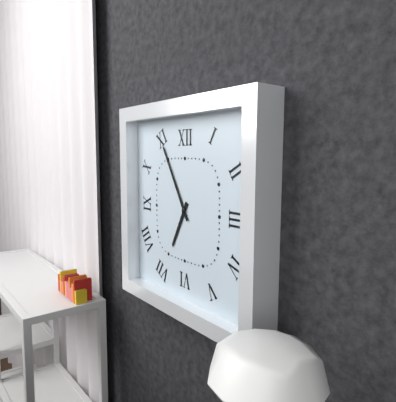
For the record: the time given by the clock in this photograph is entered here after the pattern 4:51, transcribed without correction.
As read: 6:55
